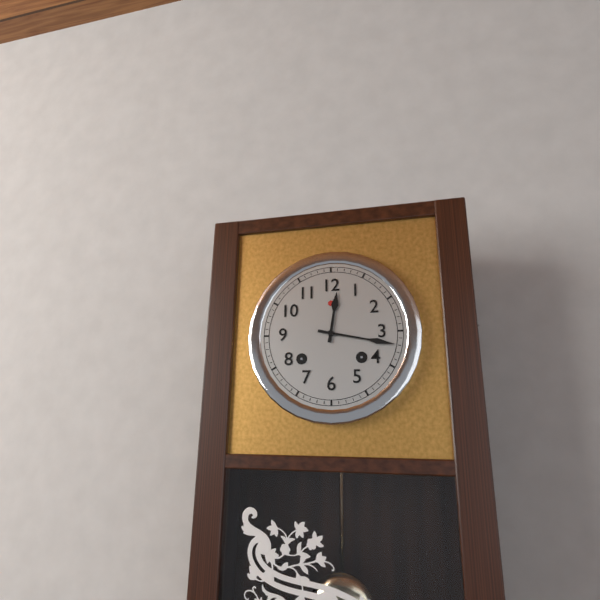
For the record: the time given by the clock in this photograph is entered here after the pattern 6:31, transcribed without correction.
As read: 12:17
